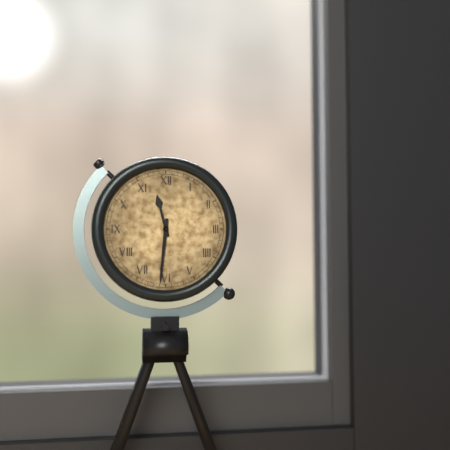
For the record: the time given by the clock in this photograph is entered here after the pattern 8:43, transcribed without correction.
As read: 11:31
